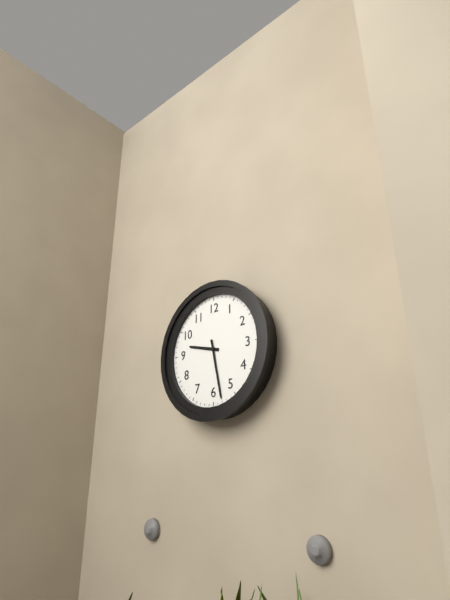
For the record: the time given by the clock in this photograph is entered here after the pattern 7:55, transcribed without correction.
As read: 9:28
